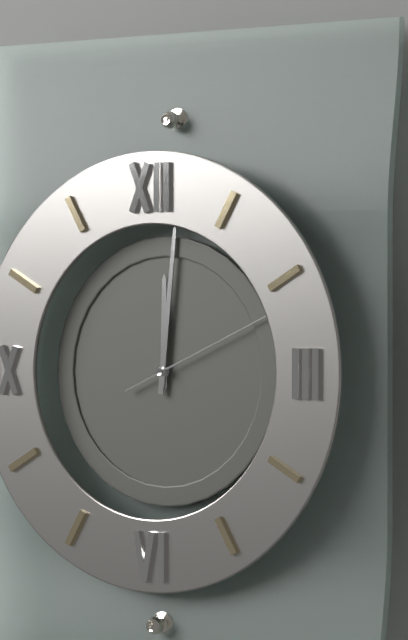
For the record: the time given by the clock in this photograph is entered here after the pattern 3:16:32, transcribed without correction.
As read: 12:01:11
